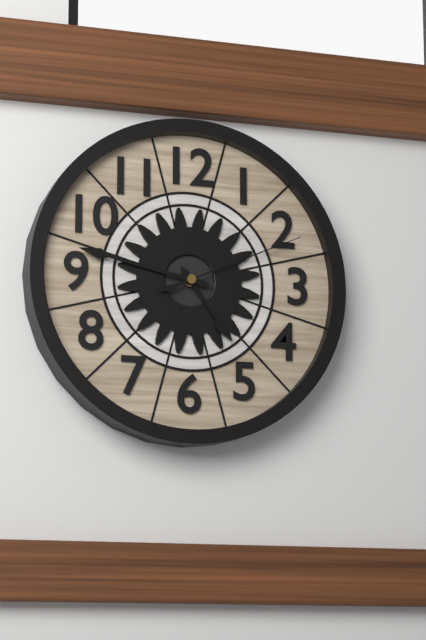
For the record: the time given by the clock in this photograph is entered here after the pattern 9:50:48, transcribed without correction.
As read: 4:47:11
